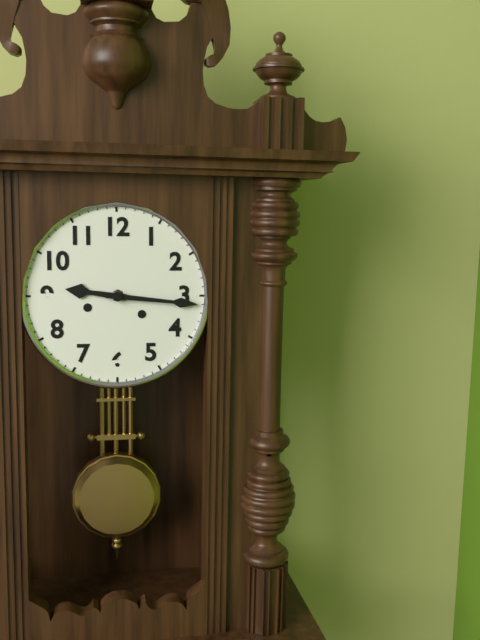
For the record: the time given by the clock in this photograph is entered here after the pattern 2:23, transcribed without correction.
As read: 9:16
